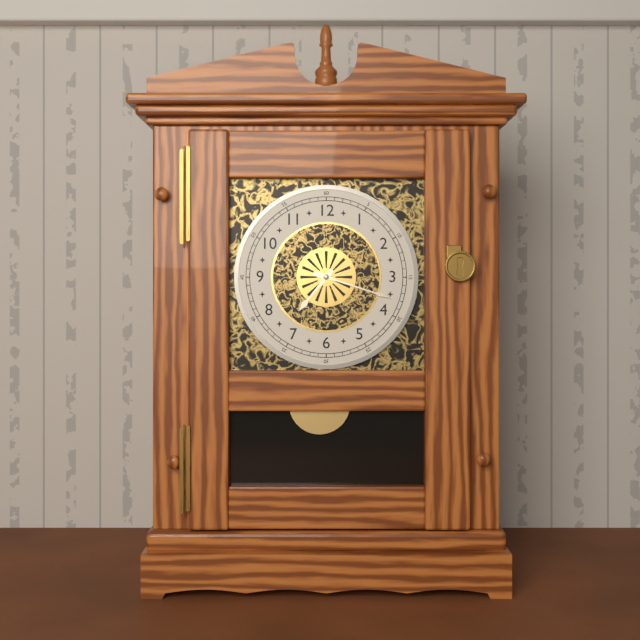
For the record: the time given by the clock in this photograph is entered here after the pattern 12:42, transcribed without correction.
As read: 7:18
